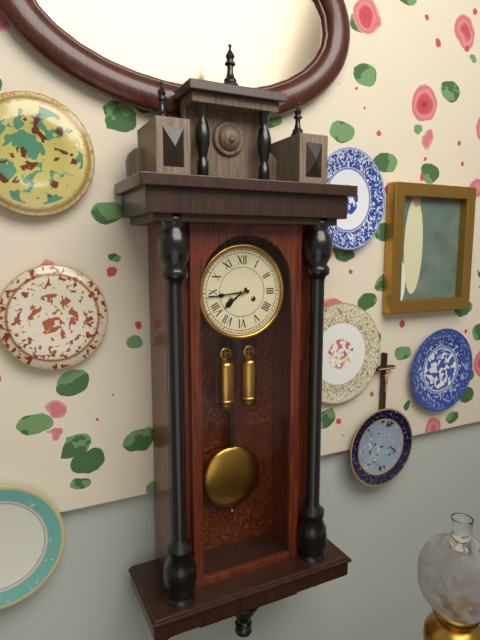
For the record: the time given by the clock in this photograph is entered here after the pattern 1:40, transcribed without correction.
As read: 7:44
